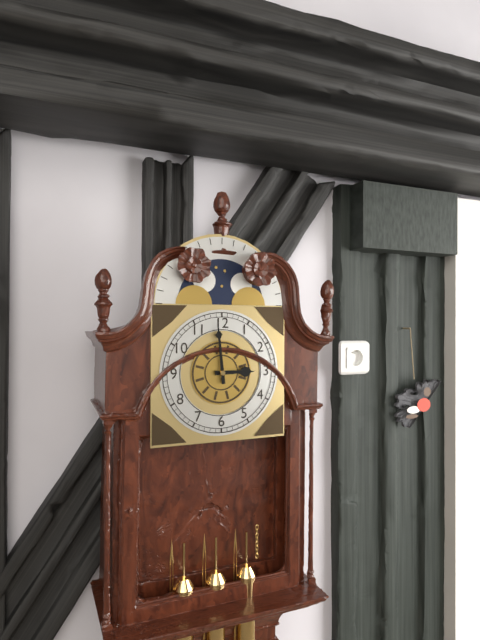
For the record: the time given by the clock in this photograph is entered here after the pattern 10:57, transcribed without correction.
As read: 2:59
